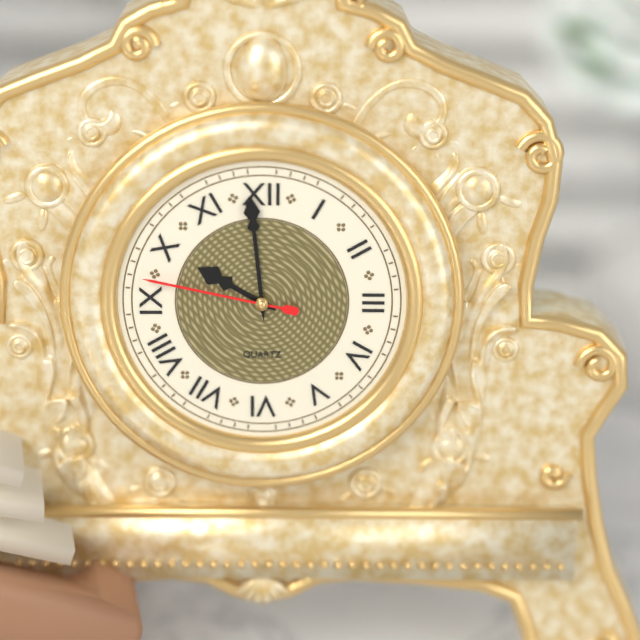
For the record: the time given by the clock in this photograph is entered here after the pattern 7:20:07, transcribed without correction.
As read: 9:59:47
